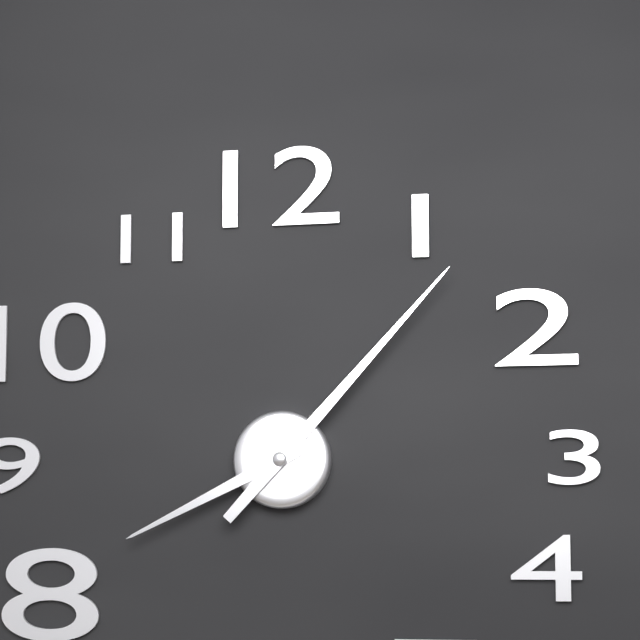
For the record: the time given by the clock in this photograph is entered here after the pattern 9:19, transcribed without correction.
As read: 8:07
